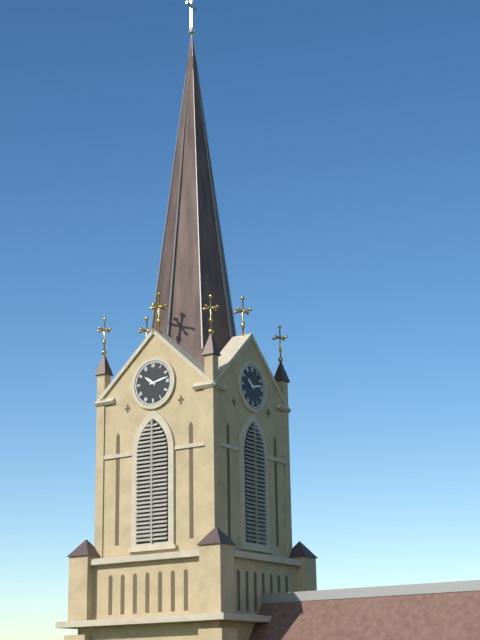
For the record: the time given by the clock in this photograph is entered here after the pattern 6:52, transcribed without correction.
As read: 10:13
